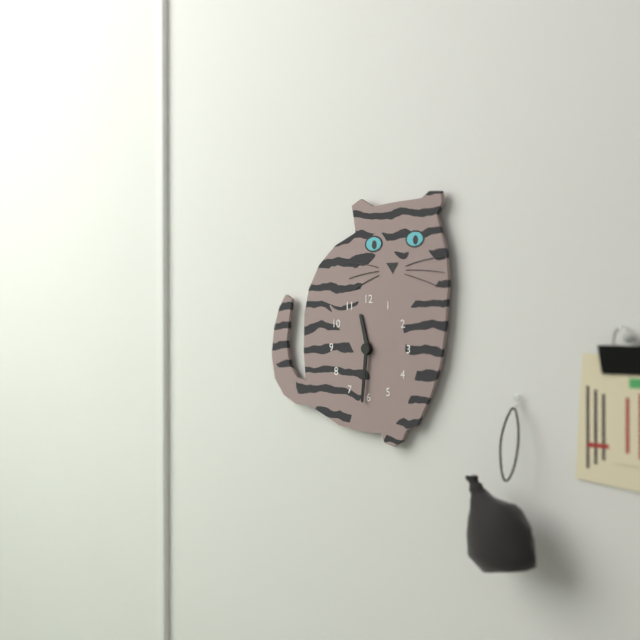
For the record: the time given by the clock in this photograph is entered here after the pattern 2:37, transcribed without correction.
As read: 11:31
